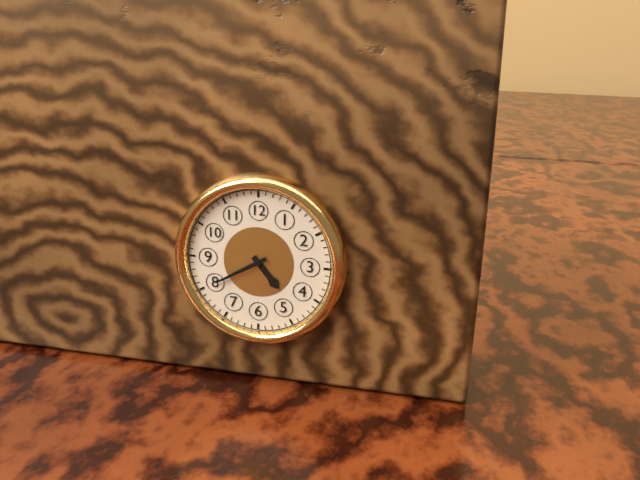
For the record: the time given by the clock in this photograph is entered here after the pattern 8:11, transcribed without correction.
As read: 4:40
